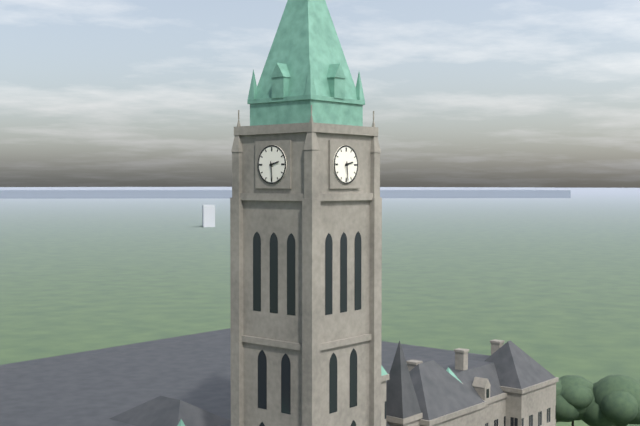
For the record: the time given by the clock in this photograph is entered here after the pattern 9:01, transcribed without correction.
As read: 2:29
